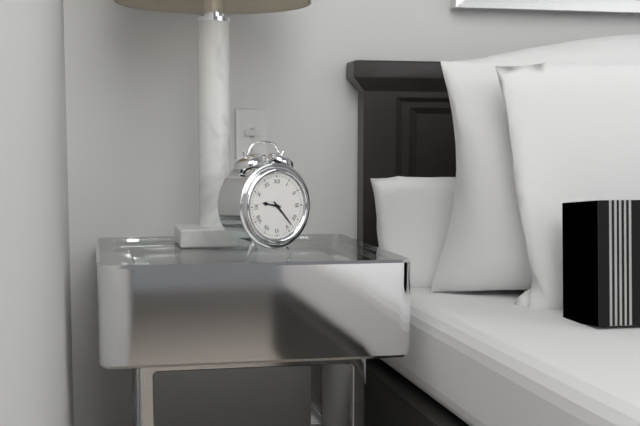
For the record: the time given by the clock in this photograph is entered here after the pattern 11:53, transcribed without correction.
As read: 9:23
